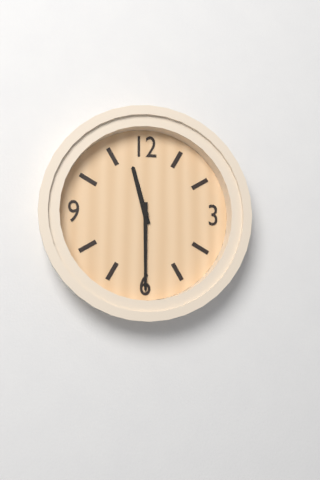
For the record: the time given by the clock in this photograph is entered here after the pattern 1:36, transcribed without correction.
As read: 11:30
